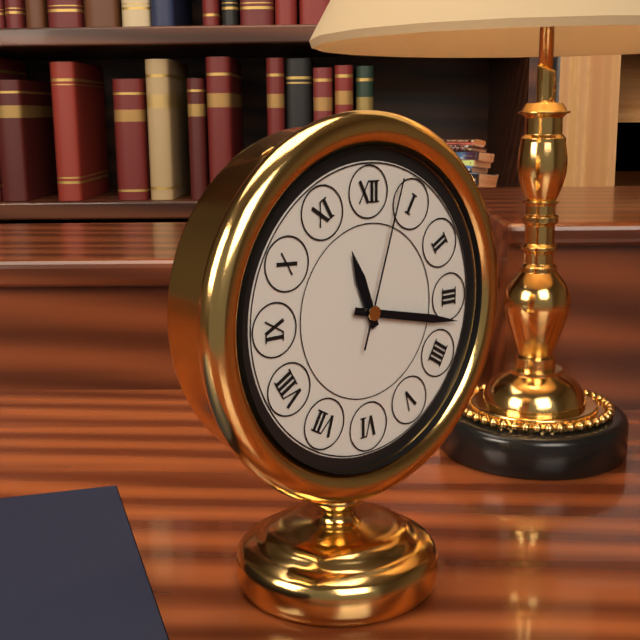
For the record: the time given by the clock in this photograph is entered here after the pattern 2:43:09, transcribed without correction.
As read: 11:17:03
